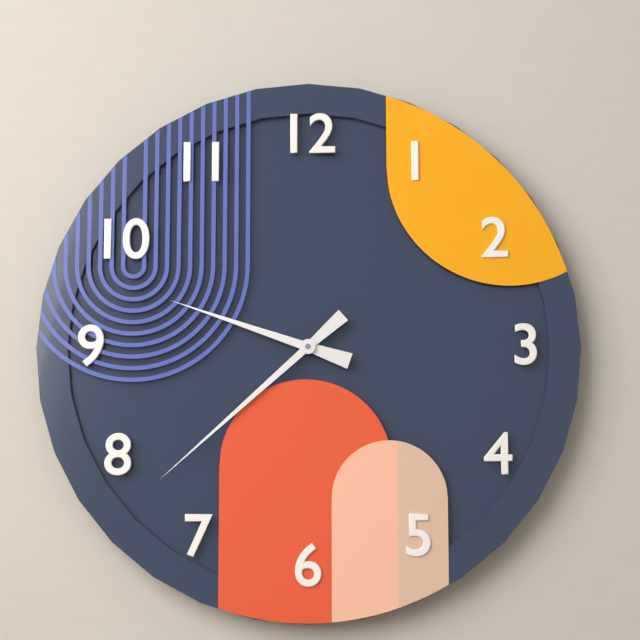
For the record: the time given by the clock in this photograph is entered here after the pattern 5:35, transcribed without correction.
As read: 9:38
